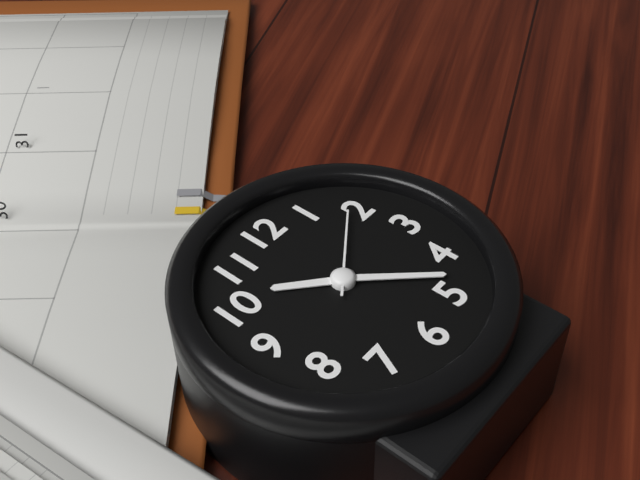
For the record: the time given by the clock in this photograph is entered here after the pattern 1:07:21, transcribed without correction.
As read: 10:23:09
